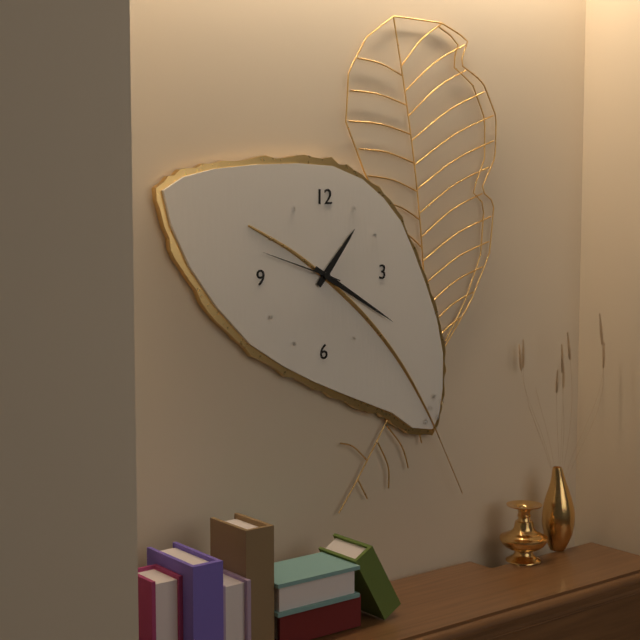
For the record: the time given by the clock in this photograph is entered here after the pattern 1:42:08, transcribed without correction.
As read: 1:20:48
